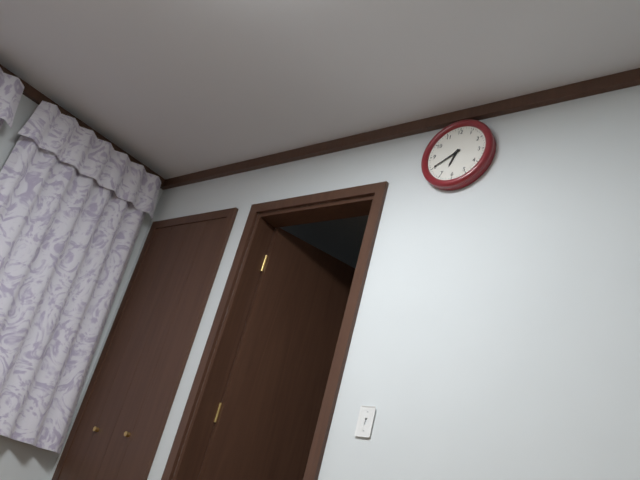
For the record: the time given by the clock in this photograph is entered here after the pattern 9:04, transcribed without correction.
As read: 6:40
